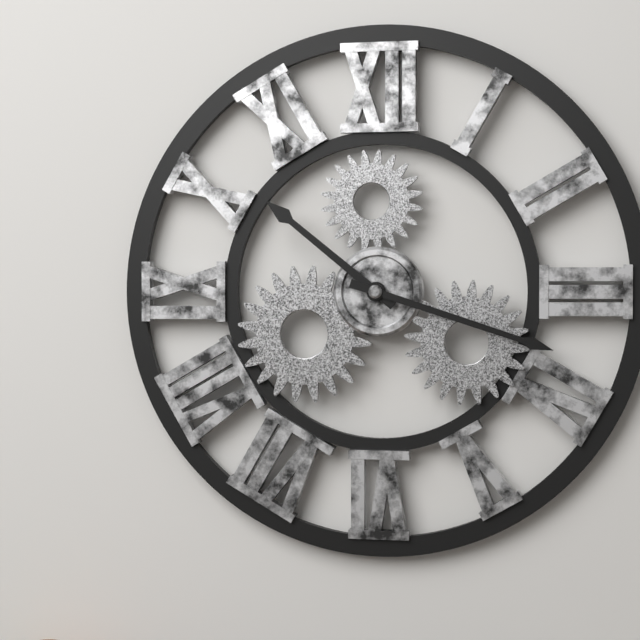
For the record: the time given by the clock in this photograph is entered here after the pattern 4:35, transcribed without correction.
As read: 10:18
